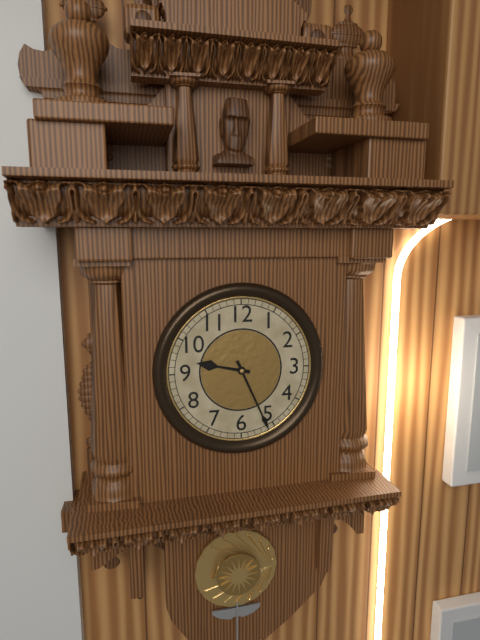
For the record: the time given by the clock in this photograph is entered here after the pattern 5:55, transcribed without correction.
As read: 9:26
